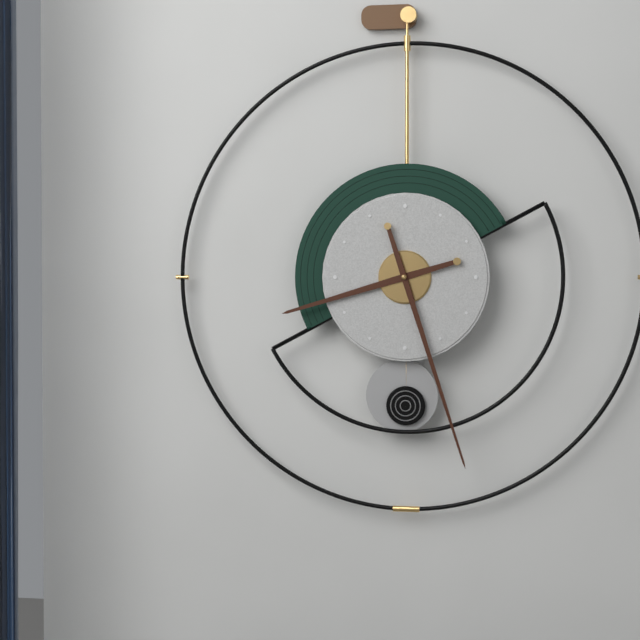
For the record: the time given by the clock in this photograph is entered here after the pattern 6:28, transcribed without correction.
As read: 8:27
